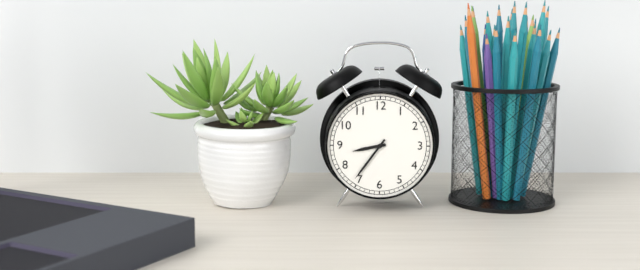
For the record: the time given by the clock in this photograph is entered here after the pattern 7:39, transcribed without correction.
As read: 8:36
